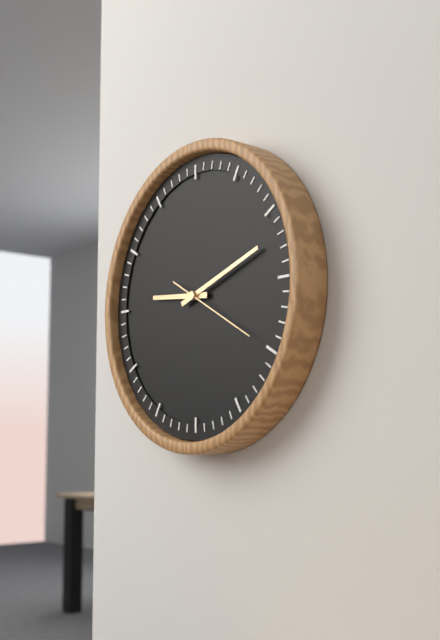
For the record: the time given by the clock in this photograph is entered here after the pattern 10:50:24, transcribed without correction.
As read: 9:12:20
